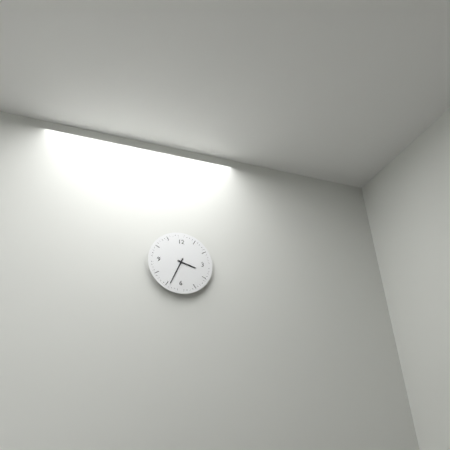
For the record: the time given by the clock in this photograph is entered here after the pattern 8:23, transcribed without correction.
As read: 3:34
